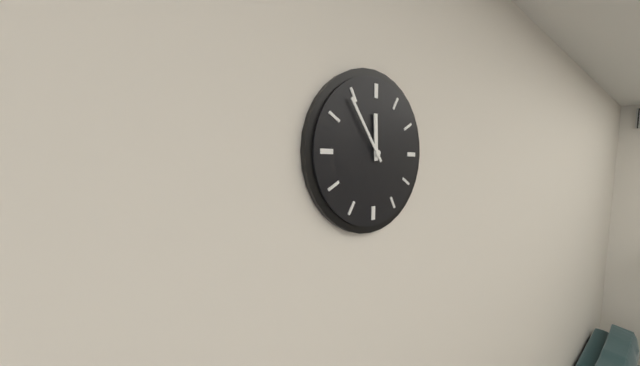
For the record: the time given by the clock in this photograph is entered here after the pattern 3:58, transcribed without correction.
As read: 11:54
